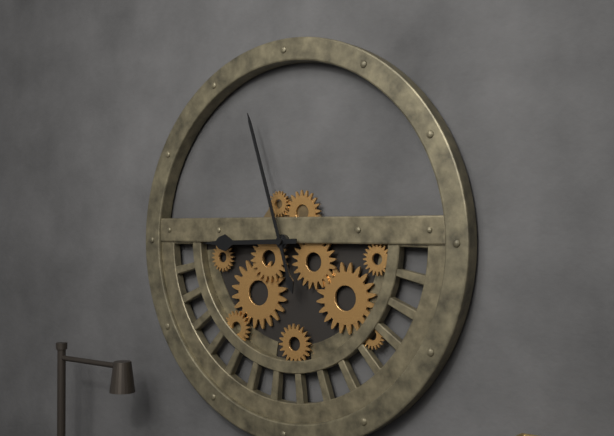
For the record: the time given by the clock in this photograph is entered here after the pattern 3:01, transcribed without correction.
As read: 8:57
